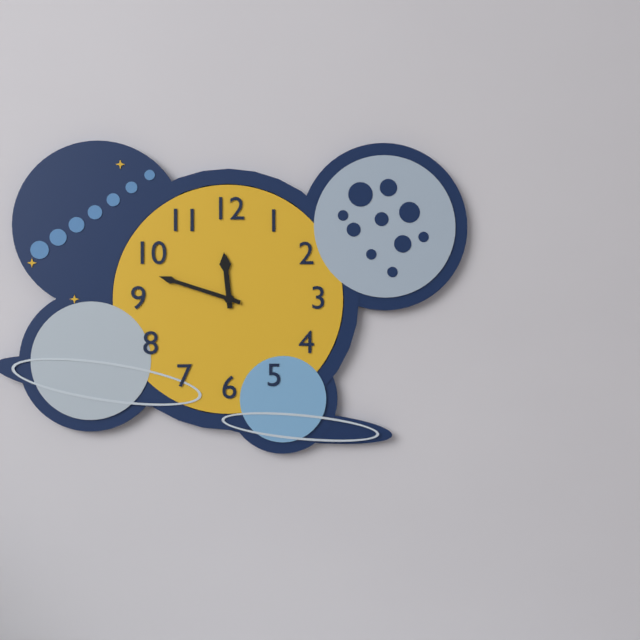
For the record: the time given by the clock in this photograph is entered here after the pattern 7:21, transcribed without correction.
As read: 11:48
